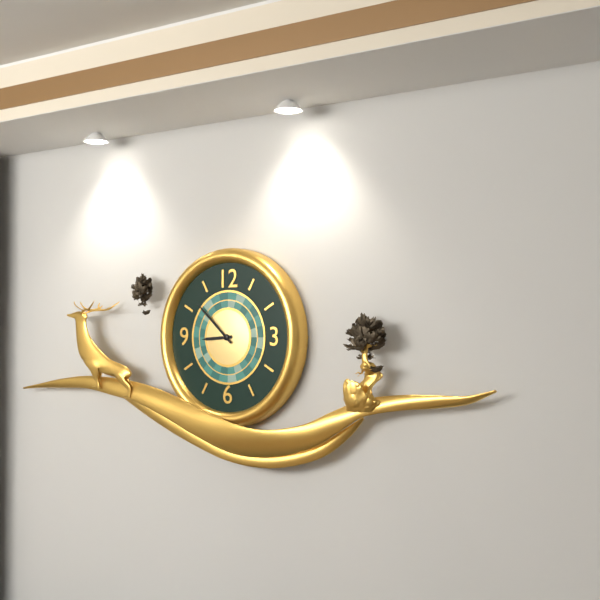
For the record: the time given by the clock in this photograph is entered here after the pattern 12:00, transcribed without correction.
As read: 8:52
